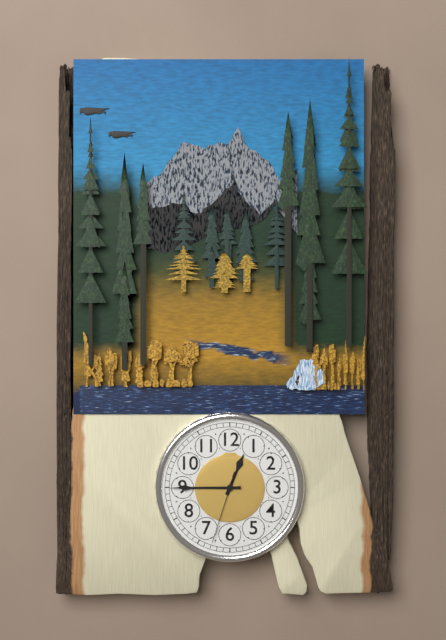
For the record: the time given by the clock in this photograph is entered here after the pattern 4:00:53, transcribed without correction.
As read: 12:45:33
